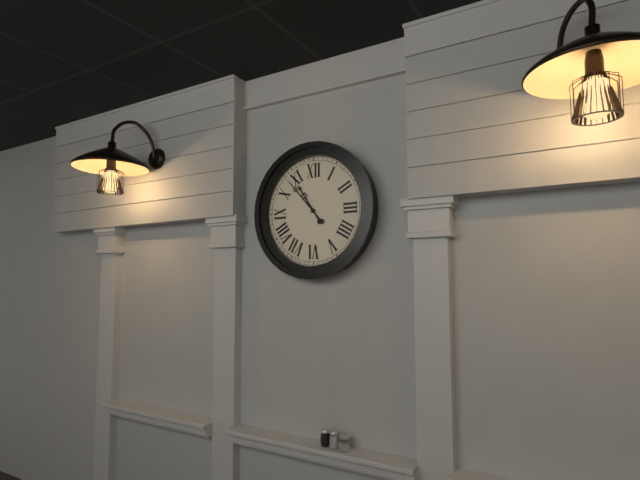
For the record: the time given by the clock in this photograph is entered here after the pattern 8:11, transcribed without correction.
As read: 10:53
